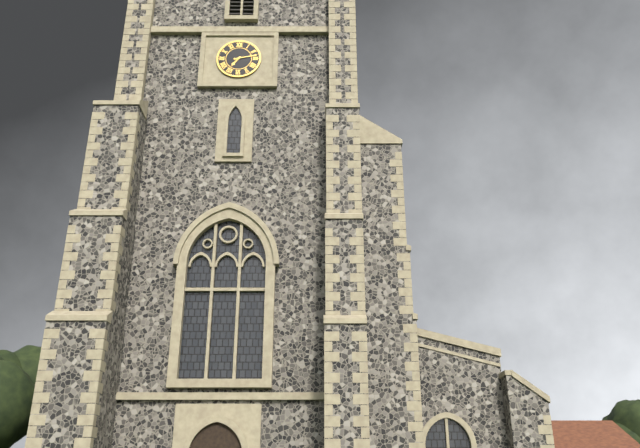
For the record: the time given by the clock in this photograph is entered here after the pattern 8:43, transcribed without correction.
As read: 7:13
